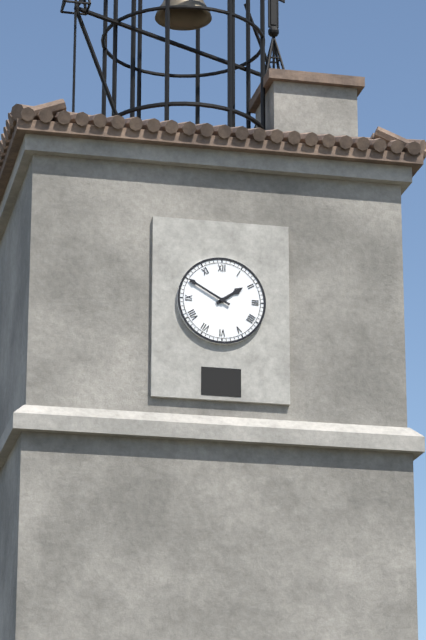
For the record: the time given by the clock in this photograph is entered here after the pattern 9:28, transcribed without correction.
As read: 1:50
